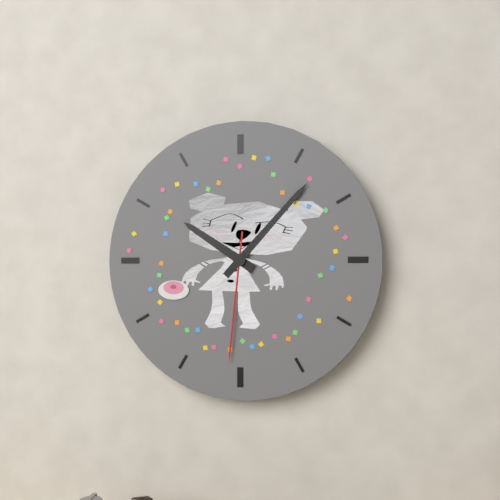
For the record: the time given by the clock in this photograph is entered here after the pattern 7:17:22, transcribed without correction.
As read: 10:07:31
